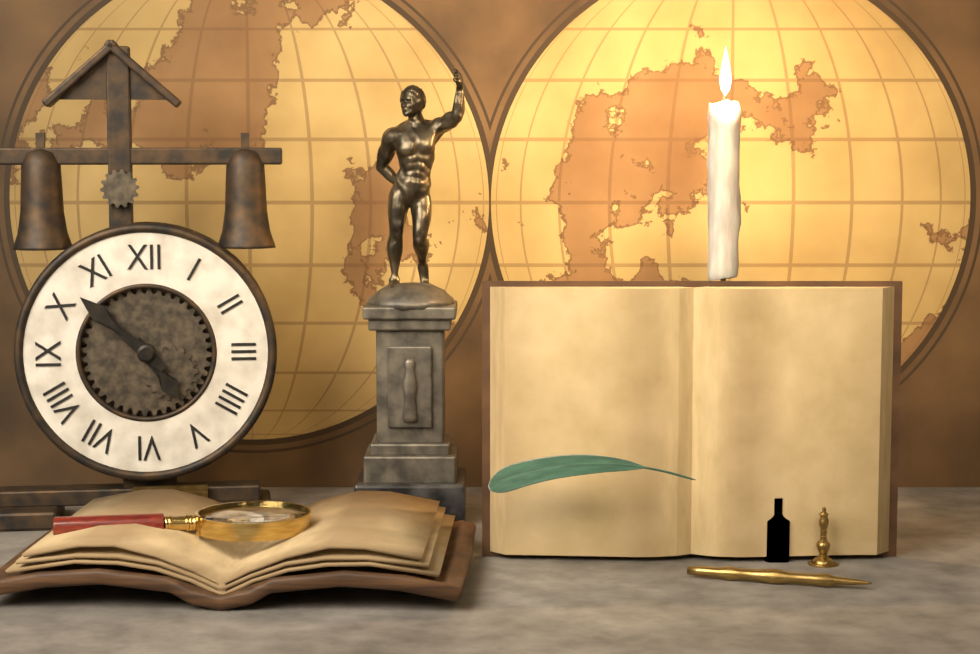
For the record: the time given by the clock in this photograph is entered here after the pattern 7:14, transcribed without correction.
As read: 4:52
